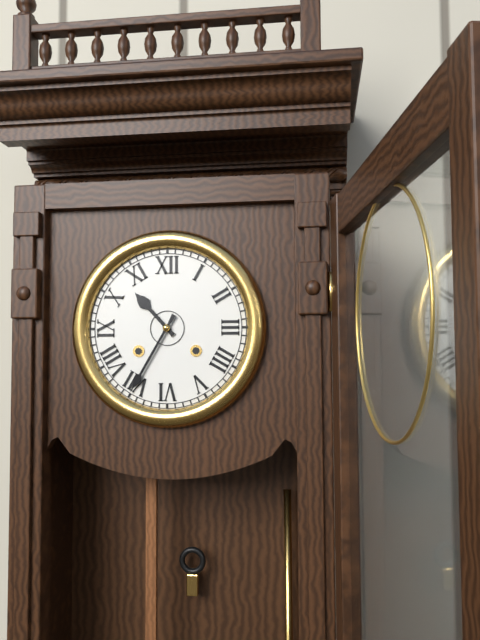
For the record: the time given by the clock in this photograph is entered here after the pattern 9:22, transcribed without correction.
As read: 10:35
